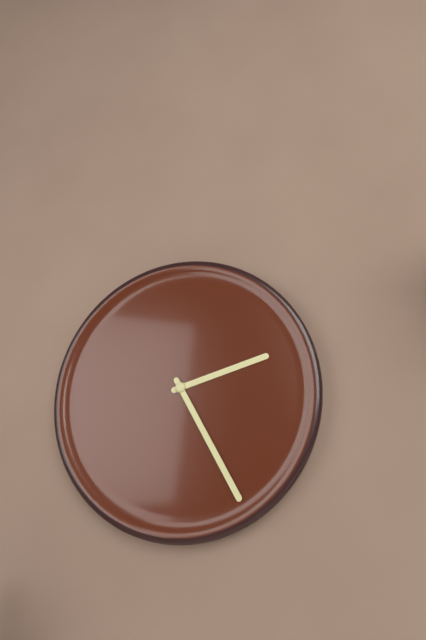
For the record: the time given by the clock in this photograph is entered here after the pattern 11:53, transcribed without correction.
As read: 2:25
